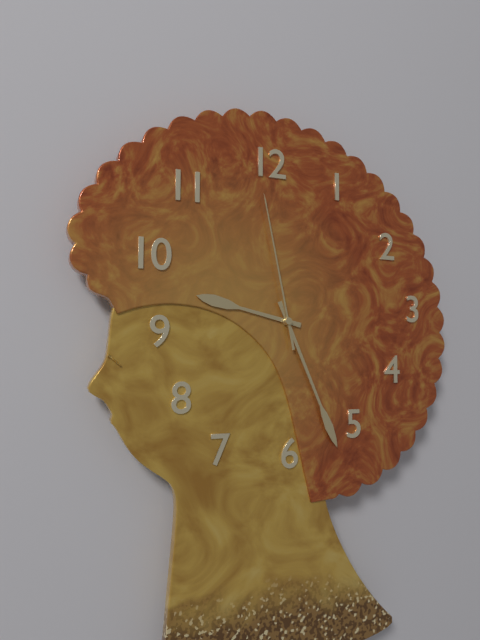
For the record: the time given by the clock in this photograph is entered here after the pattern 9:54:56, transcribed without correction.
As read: 9:26:58
